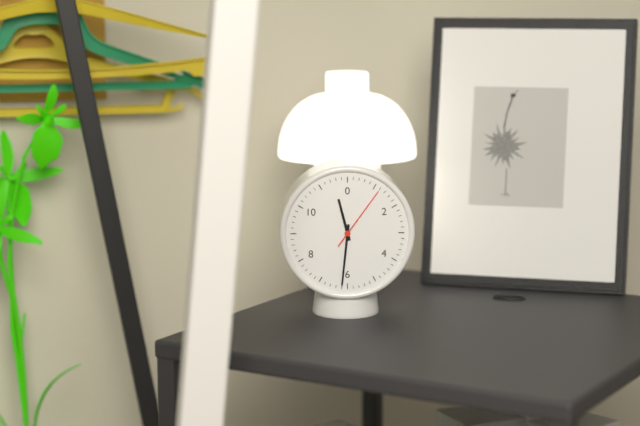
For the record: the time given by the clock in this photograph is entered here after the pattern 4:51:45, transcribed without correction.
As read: 11:31:06
